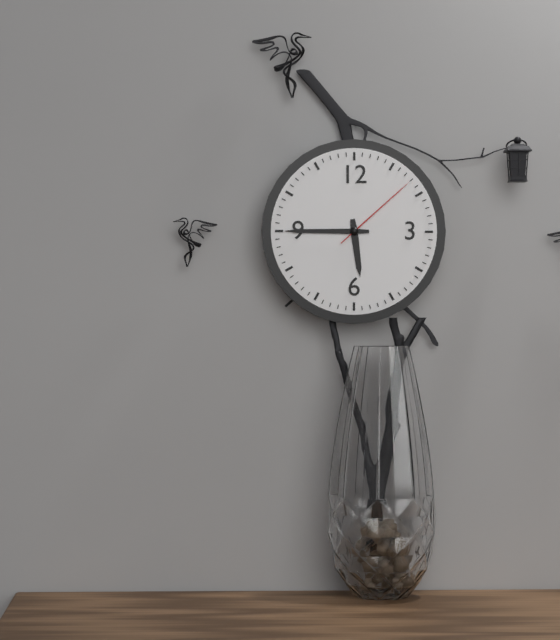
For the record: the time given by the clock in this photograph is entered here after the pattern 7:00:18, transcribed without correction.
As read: 5:45:08
